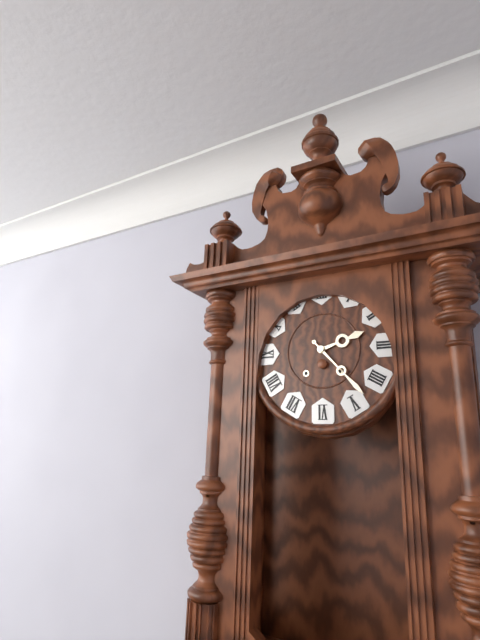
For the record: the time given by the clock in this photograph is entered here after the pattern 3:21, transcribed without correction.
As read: 2:23
